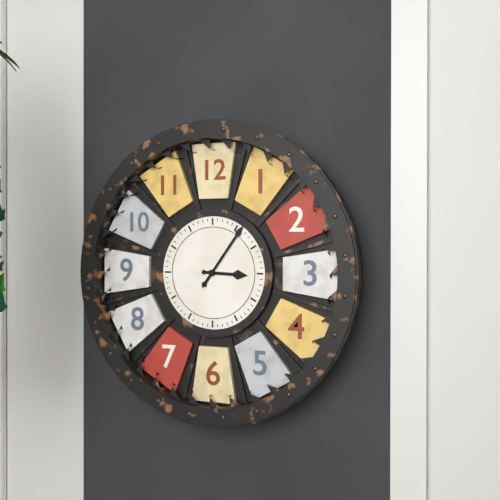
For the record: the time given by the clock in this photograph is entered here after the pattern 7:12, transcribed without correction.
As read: 3:06
